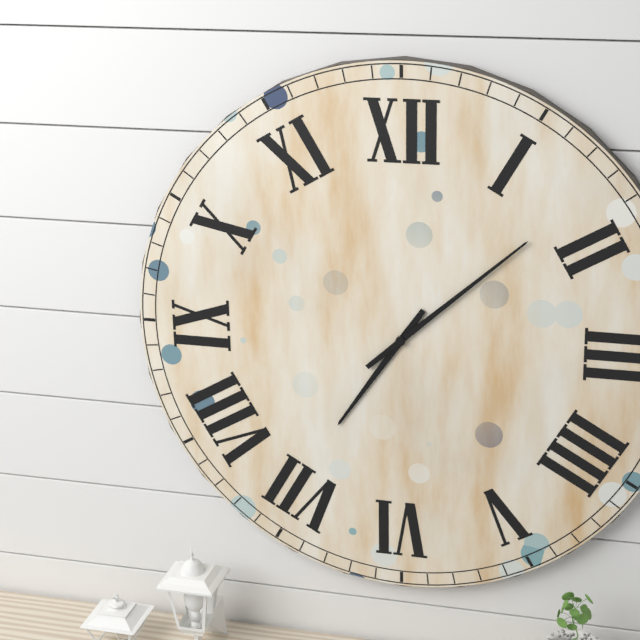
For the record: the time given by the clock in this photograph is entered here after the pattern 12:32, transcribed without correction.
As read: 7:08
